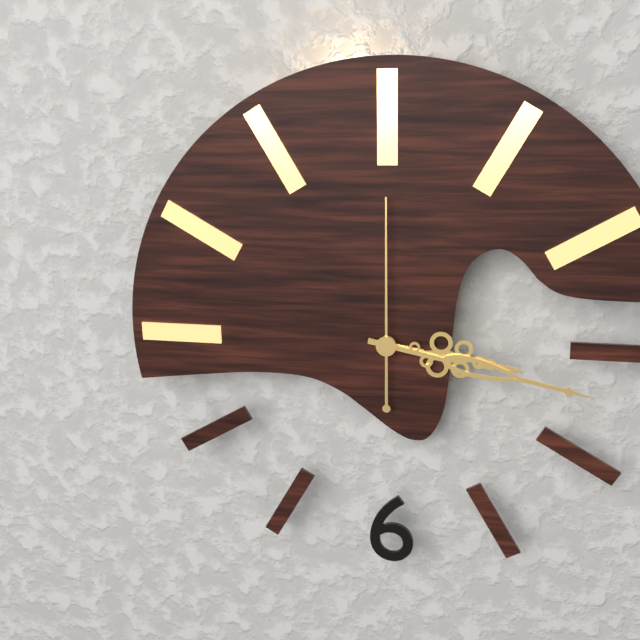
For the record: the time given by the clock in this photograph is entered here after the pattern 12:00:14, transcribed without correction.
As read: 3:17:00
